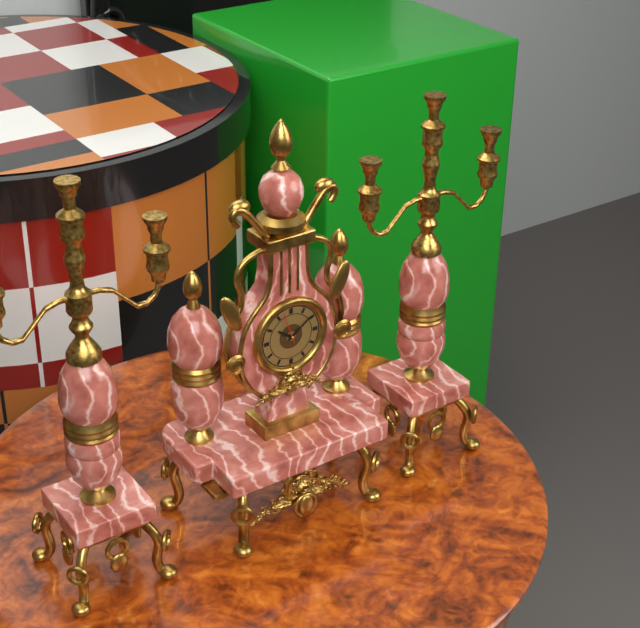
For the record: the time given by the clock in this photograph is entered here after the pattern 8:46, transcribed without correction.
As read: 10:09
